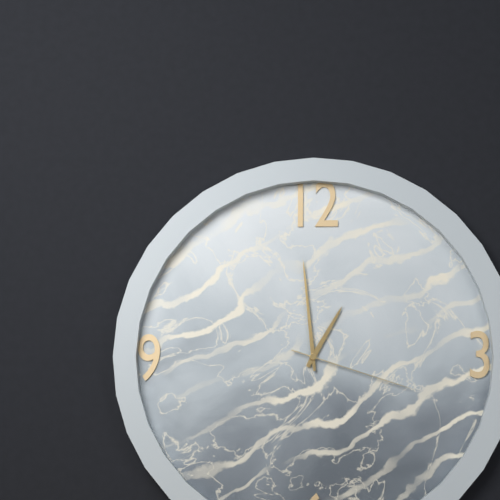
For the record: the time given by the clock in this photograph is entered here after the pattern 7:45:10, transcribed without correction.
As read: 12:59:18
